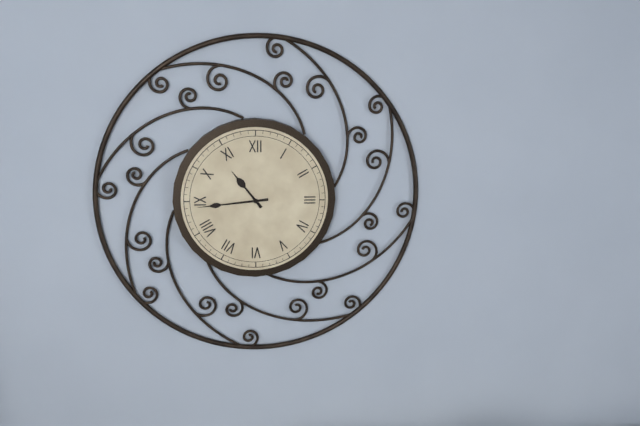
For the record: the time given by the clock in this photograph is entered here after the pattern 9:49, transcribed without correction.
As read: 10:44
